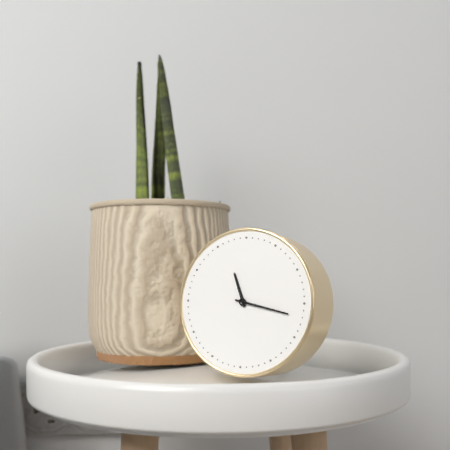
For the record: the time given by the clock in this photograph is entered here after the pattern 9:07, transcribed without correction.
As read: 11:17
